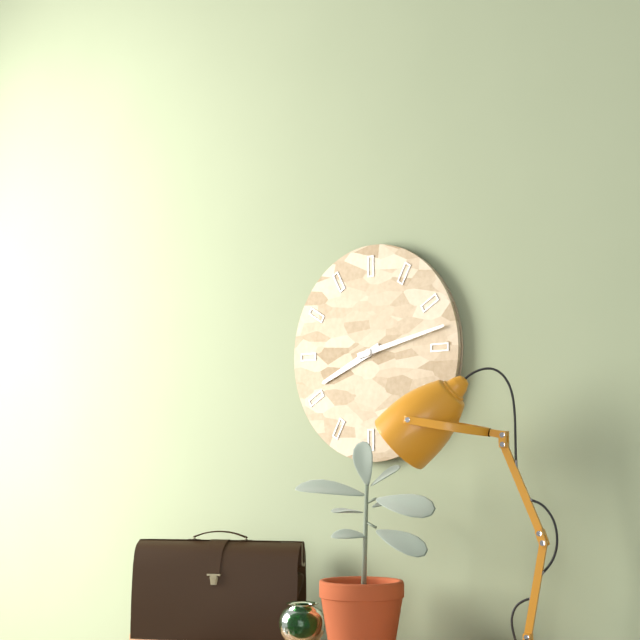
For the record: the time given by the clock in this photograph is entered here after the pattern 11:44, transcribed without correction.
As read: 8:13
